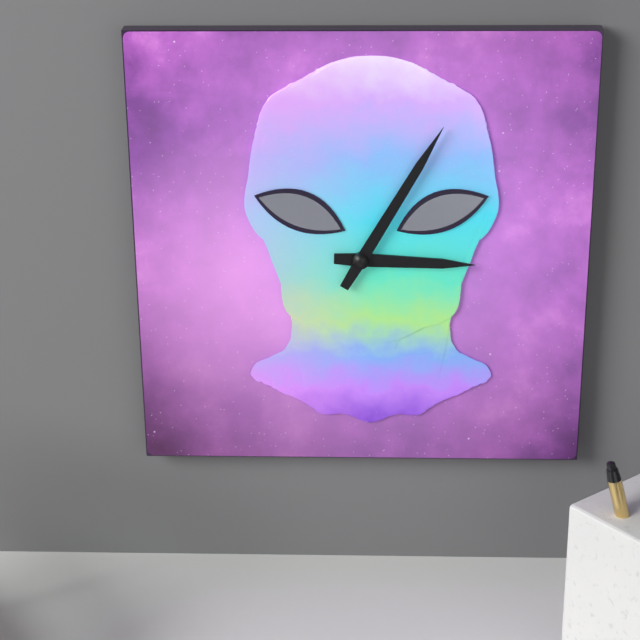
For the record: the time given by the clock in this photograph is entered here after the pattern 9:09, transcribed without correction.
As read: 3:05
